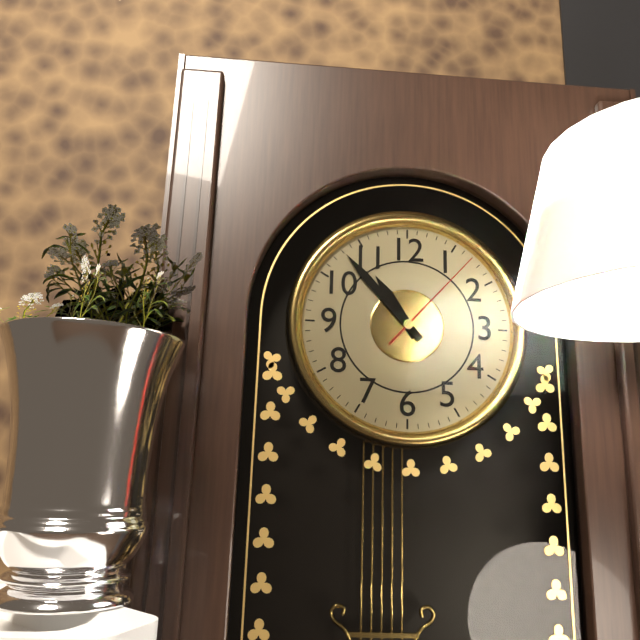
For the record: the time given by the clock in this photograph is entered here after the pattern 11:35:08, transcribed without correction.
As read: 10:53:07
